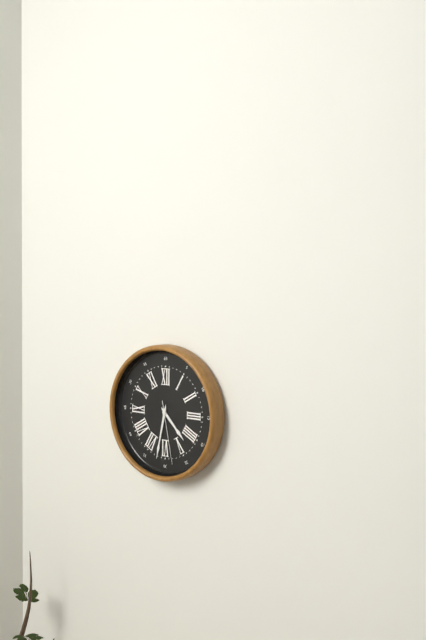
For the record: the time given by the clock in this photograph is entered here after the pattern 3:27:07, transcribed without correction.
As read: 4:32:28
